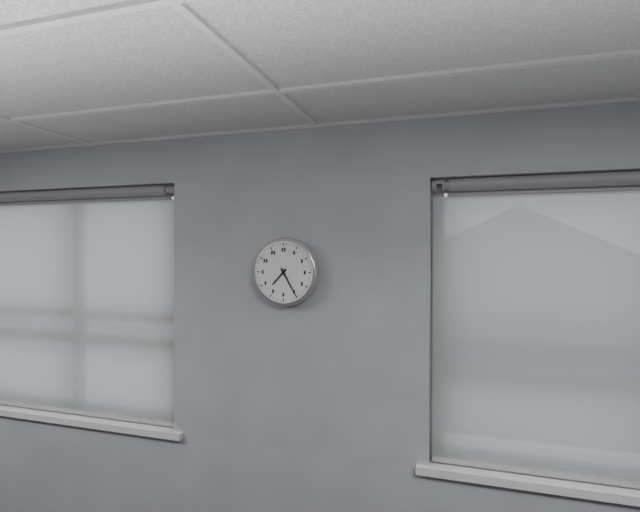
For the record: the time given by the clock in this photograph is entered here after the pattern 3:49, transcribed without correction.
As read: 7:25
